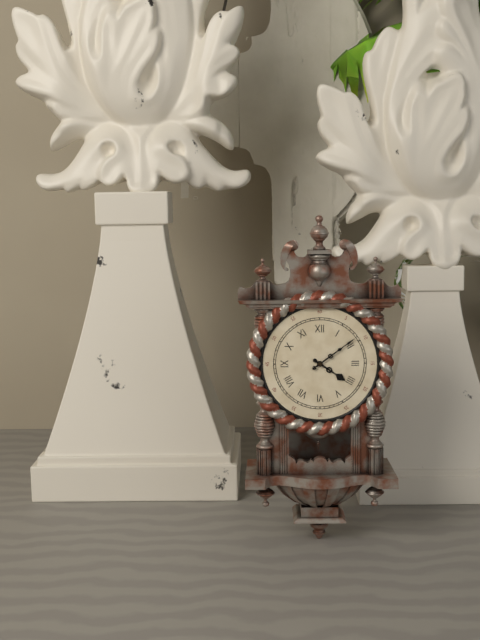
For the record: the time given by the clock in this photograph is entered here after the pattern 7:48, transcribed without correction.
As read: 4:09
